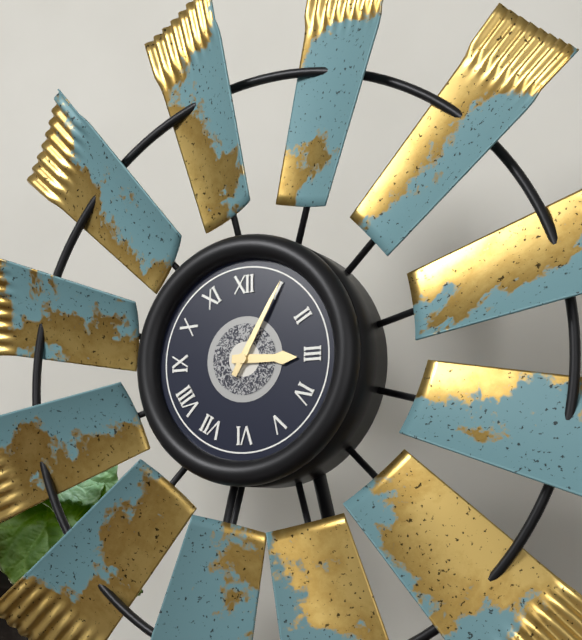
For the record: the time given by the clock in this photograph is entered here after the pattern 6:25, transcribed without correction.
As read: 3:05
